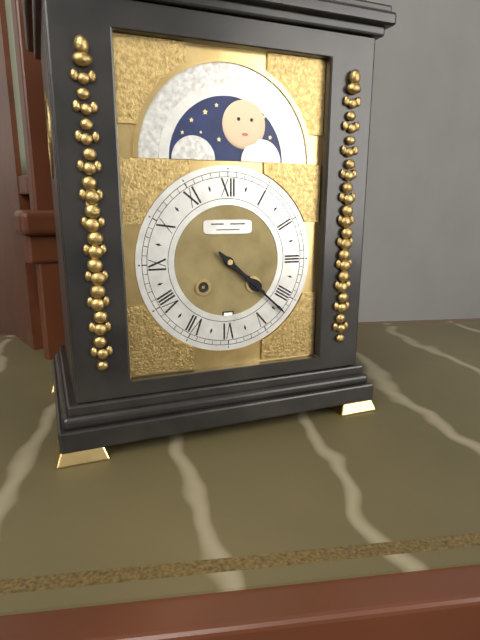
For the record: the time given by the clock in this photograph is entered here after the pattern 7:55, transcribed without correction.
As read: 4:22
